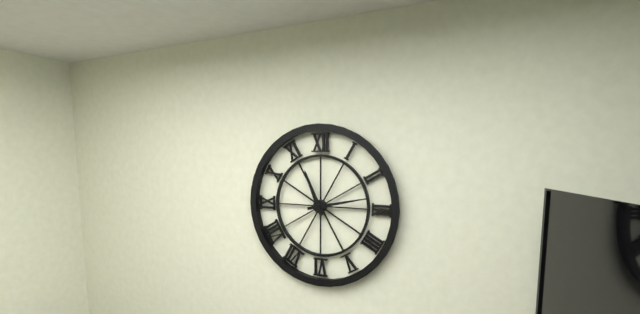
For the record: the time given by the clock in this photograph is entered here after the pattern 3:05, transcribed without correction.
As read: 11:13
